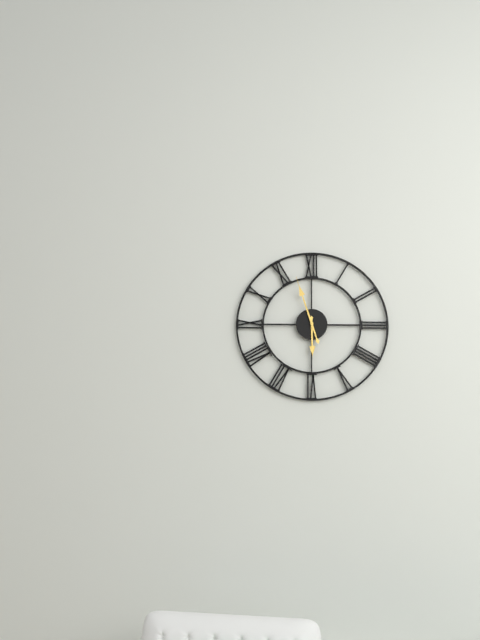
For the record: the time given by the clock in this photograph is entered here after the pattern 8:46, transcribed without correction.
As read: 5:57
